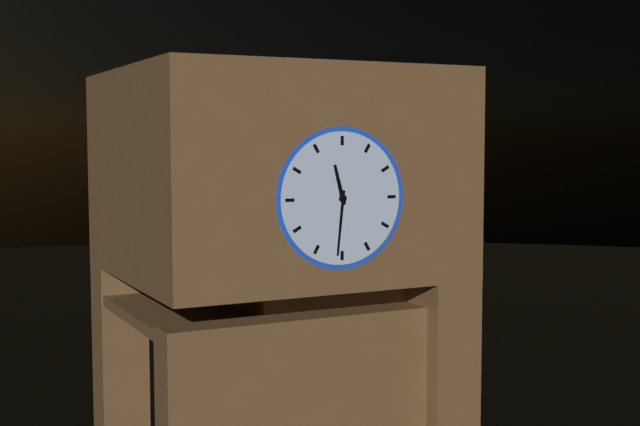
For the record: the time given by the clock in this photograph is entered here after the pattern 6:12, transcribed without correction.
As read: 11:31
